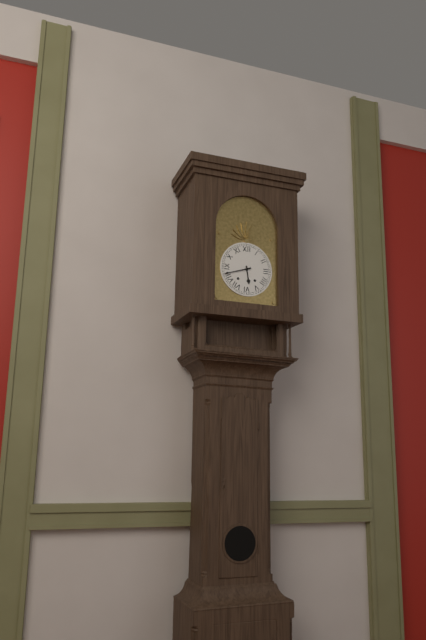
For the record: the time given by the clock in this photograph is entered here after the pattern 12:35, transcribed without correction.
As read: 5:42
